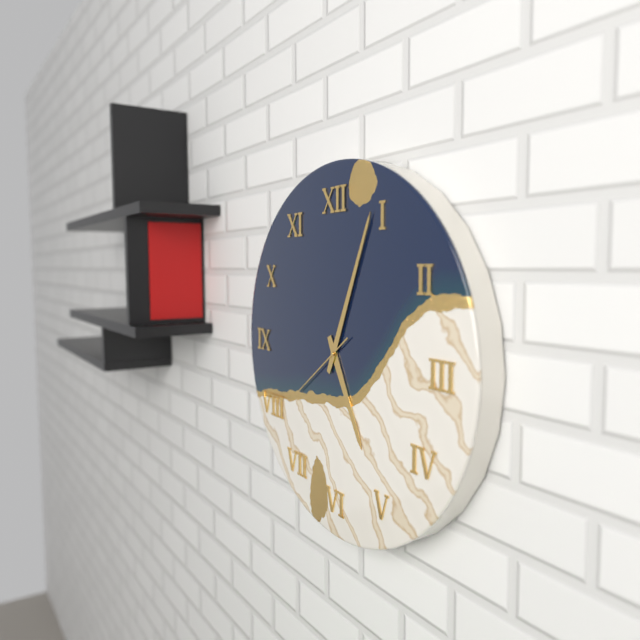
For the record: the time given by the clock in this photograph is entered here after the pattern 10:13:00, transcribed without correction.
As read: 5:04:39
